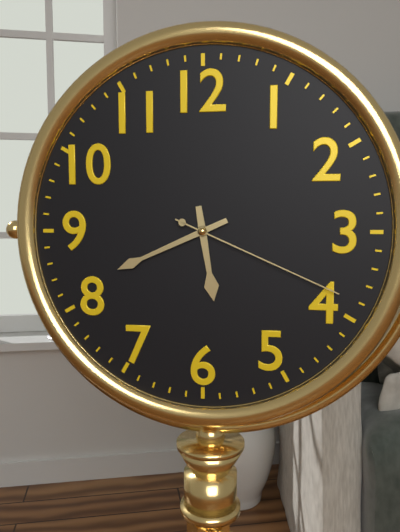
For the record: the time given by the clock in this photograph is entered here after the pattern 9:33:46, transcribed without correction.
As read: 5:41:19
